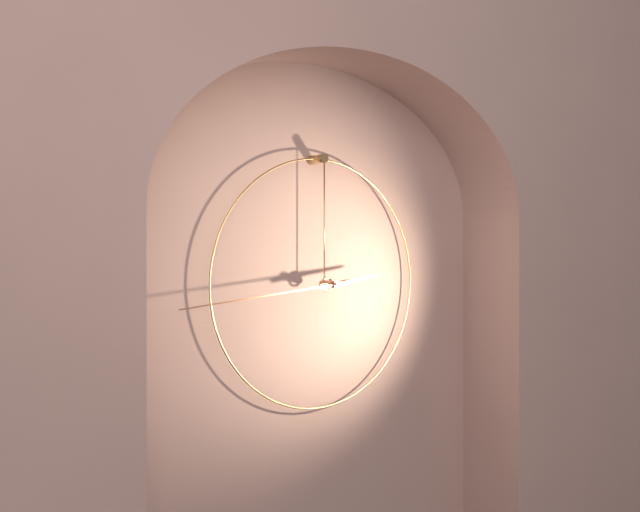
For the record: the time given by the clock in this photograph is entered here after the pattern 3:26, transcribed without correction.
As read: 2:44
